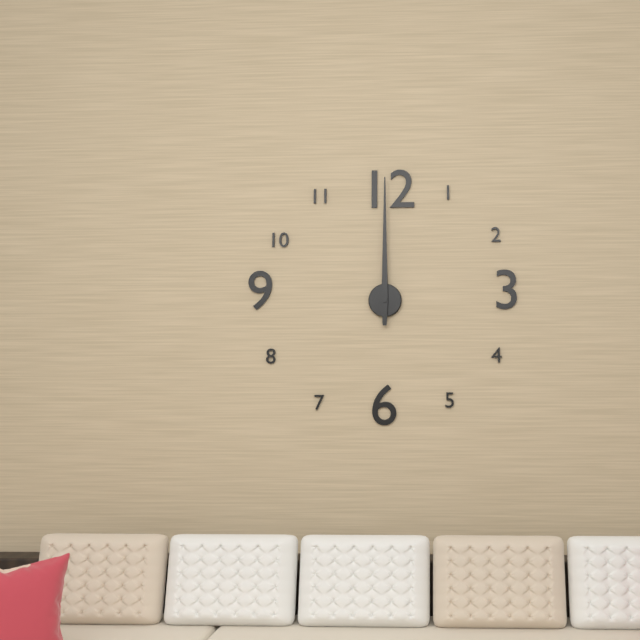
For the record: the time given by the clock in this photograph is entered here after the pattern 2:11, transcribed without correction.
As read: 12:00
